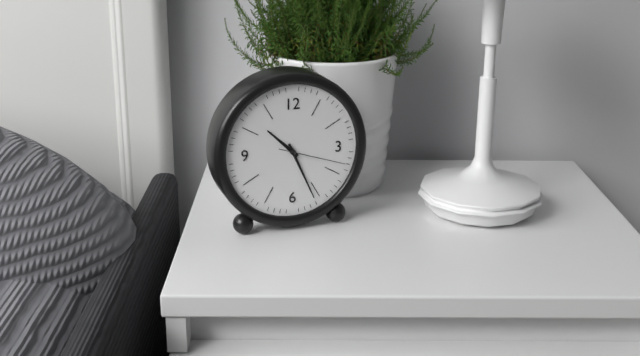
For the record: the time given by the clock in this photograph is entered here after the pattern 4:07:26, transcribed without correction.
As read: 10:26:18
